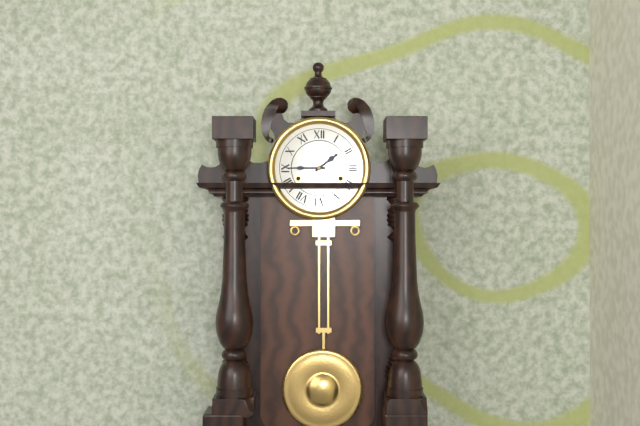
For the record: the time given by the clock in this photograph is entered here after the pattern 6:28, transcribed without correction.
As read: 1:45
